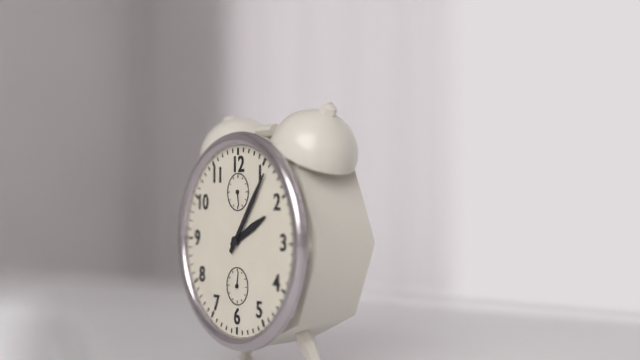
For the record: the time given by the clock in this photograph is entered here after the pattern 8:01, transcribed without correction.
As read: 2:06
